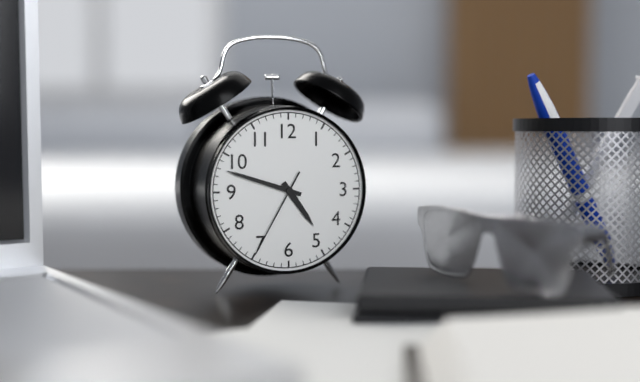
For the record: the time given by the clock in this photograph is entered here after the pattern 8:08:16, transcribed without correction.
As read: 4:48:35
